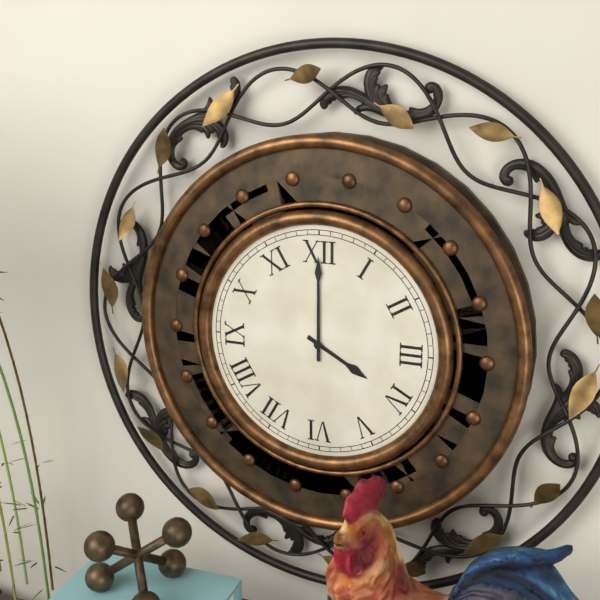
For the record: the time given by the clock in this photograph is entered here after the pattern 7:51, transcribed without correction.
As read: 4:00
